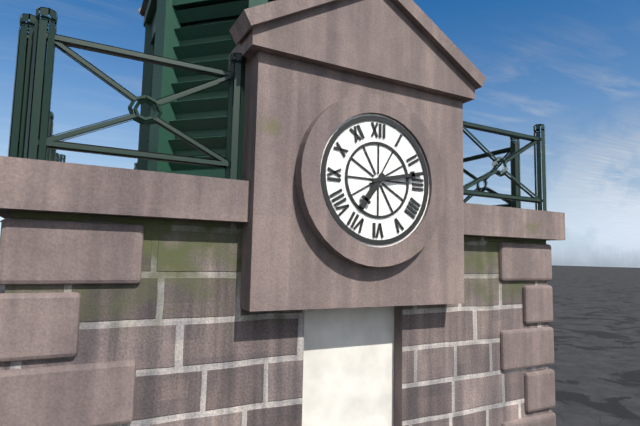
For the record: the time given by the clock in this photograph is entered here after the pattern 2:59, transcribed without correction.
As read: 7:13
